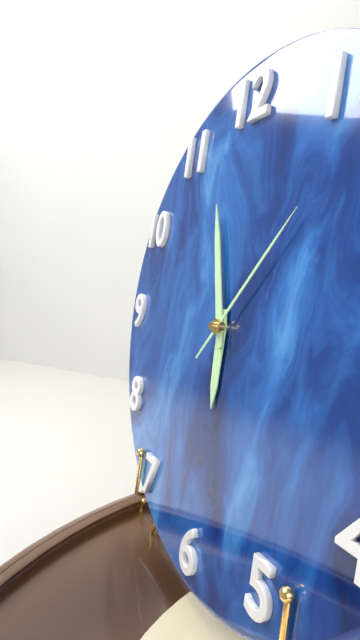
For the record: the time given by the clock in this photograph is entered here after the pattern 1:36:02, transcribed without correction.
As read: 5:57:07
